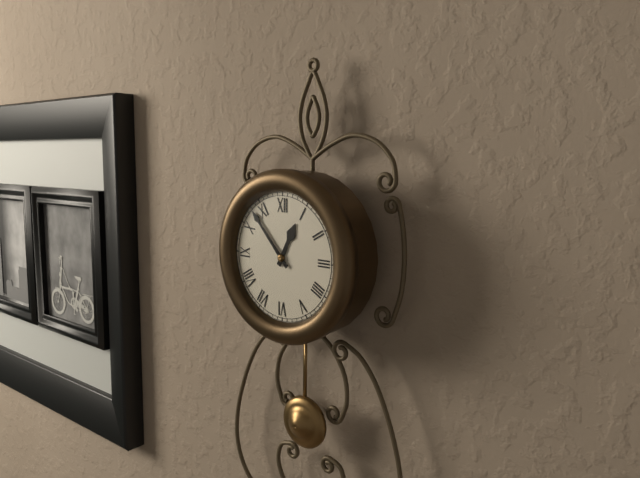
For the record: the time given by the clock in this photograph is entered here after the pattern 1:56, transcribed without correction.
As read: 12:53
